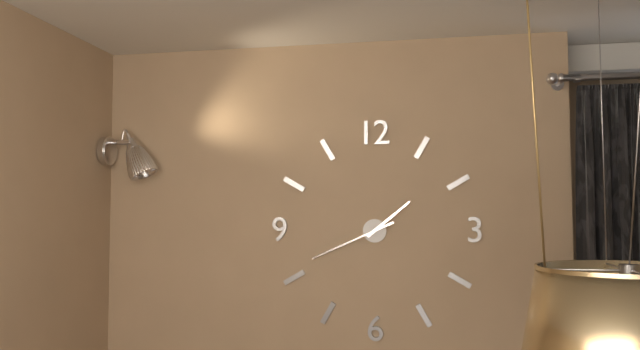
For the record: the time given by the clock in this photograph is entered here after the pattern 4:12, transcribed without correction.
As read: 1:41
